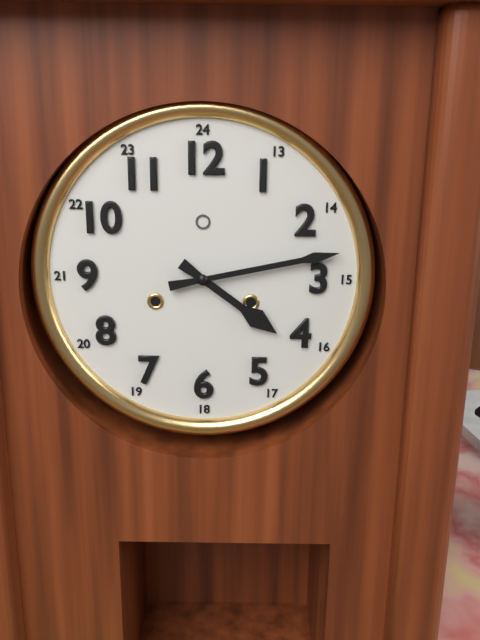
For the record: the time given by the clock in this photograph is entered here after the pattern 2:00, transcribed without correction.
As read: 4:13
